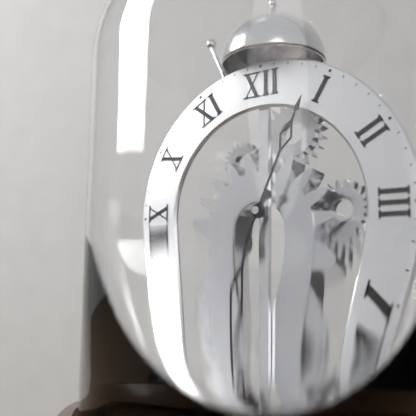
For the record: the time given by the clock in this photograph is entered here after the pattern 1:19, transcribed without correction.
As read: 7:04
